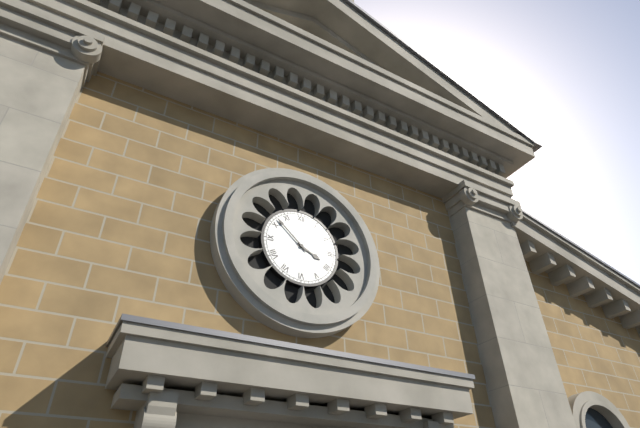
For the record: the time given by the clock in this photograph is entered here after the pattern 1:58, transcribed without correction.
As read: 3:52
